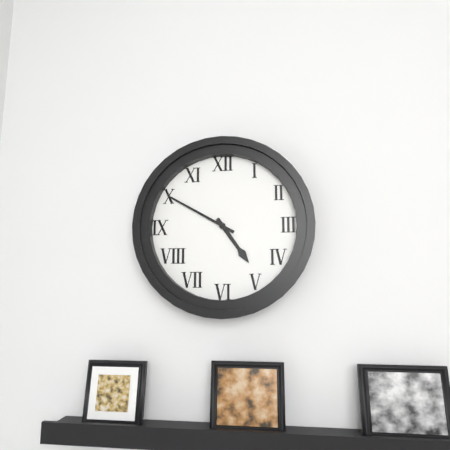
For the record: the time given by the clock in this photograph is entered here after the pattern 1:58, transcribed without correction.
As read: 4:50
